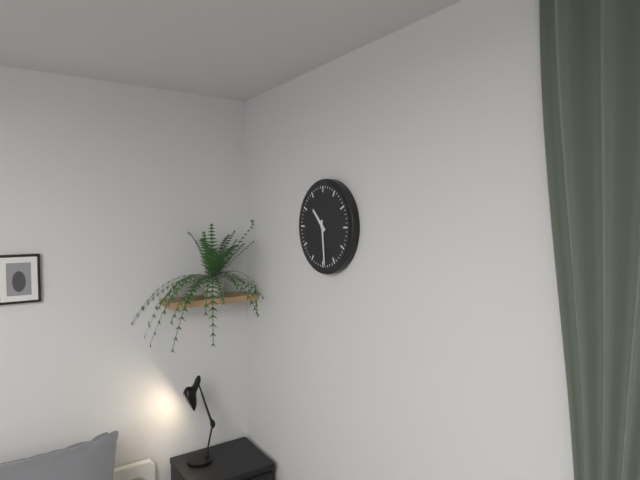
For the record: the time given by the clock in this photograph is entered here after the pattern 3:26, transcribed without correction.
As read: 10:29
